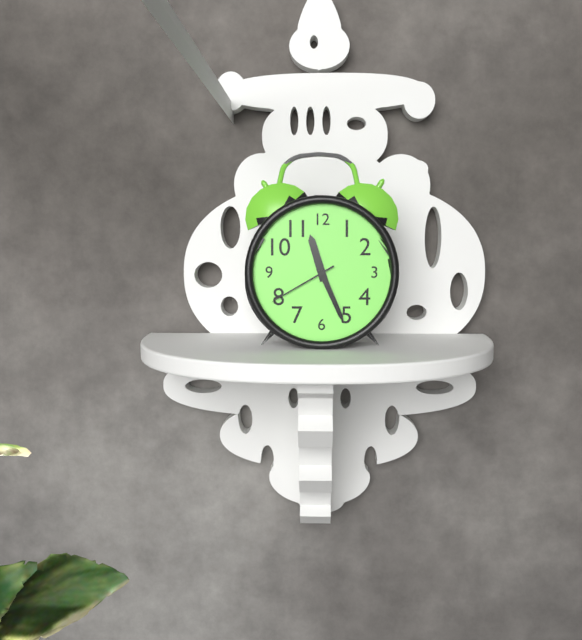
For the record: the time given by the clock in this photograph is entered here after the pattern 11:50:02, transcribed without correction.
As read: 11:26:40
